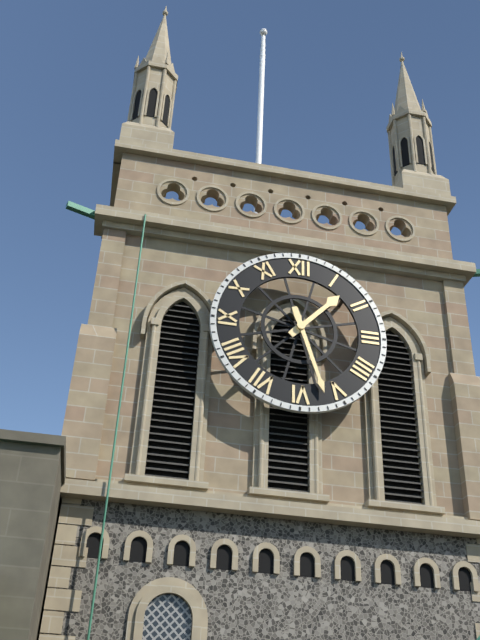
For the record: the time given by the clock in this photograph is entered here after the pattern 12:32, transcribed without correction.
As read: 1:27
